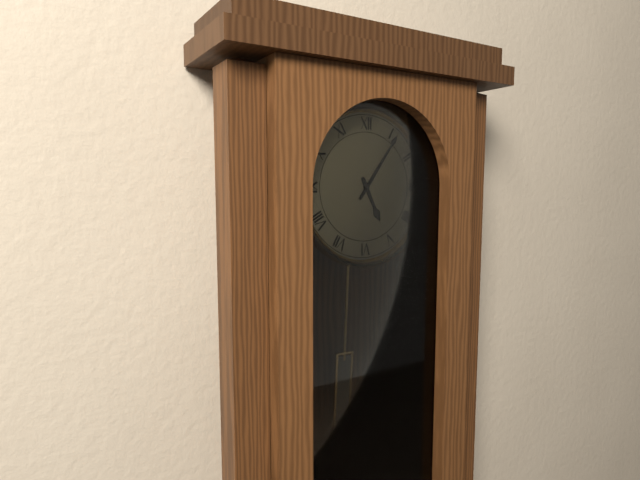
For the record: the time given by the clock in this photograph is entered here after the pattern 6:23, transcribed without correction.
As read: 5:06
